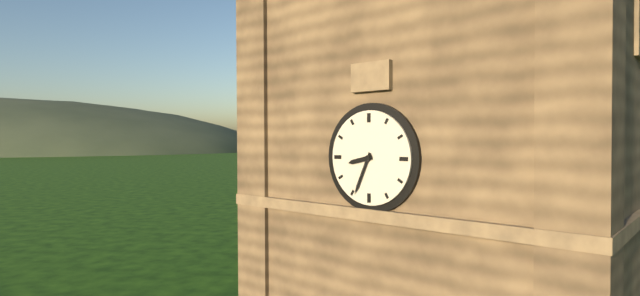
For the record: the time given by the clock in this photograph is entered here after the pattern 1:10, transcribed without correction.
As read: 8:34
